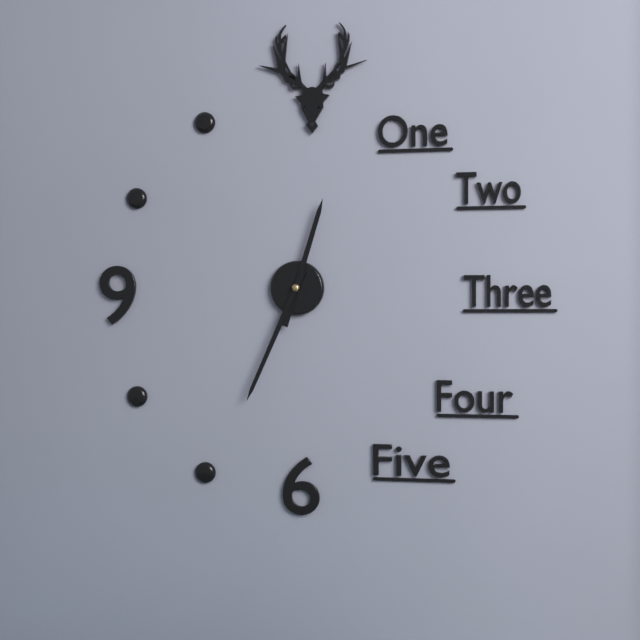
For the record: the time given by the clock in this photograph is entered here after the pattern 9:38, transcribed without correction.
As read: 12:34
